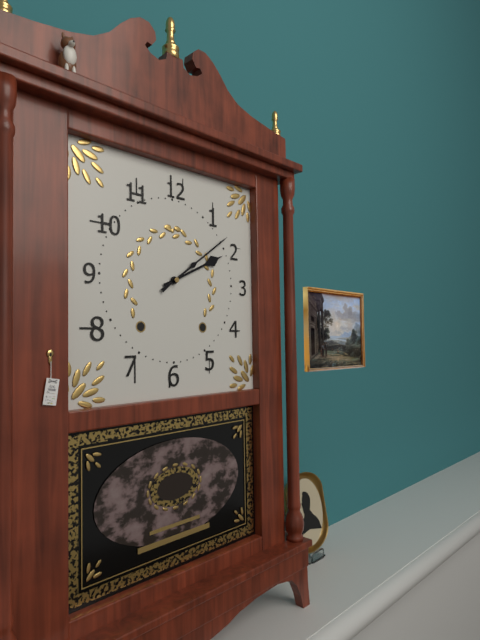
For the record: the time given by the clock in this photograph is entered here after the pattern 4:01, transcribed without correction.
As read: 2:09
